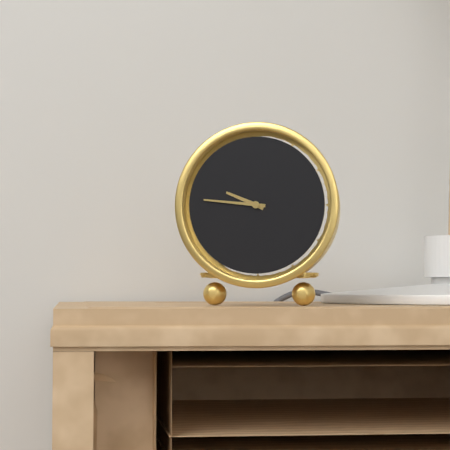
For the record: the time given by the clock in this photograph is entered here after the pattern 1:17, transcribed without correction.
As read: 9:46
